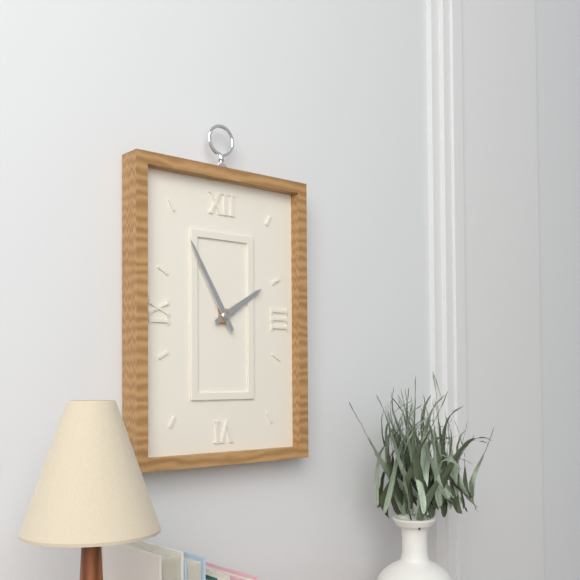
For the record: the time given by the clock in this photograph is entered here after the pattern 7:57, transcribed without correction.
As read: 1:55
